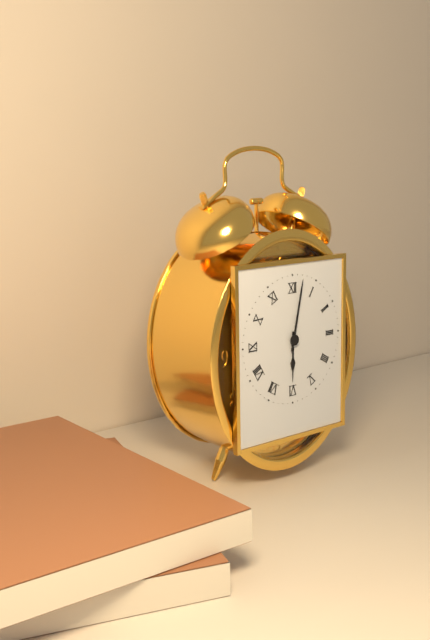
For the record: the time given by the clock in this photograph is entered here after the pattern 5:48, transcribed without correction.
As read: 6:02
